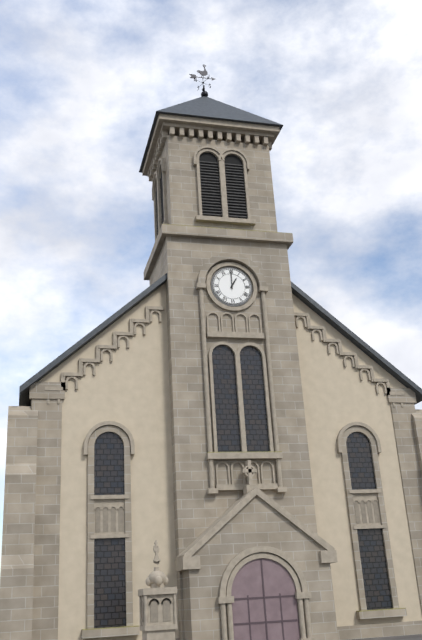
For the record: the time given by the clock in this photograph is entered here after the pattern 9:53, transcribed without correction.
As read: 1:00
